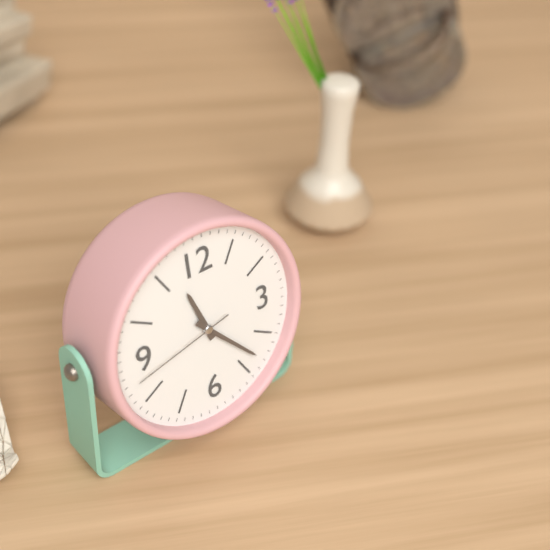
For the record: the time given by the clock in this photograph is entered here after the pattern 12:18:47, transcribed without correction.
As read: 11:23:43
